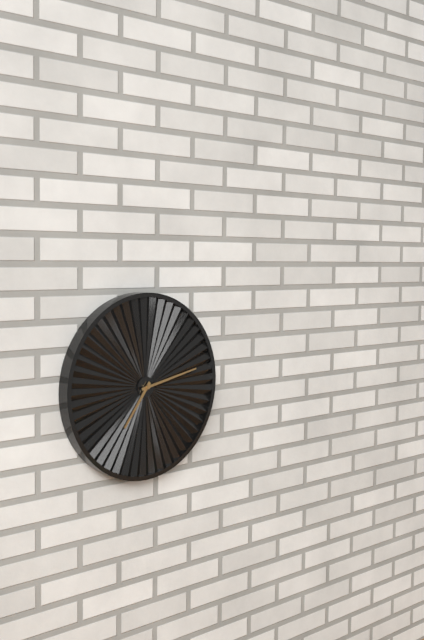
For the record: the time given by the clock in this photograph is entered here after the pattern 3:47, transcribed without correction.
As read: 7:13
